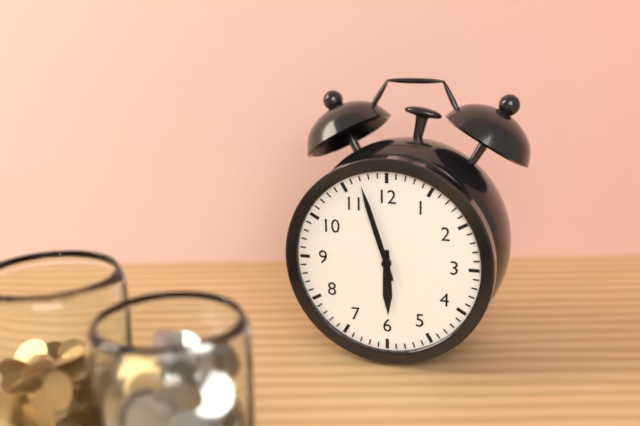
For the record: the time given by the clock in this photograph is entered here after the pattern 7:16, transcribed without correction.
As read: 5:57
